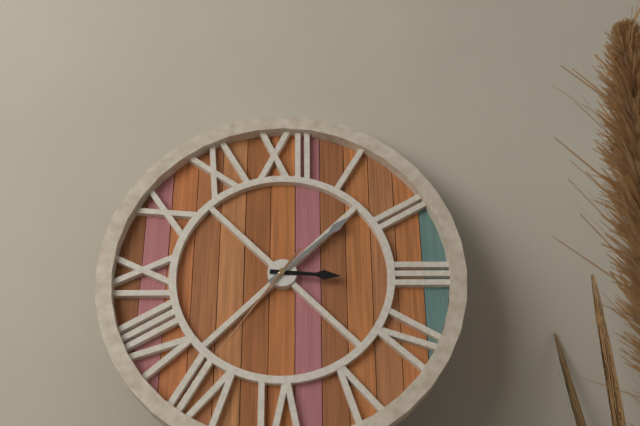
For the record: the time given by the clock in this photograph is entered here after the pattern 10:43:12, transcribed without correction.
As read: 3:08:36
